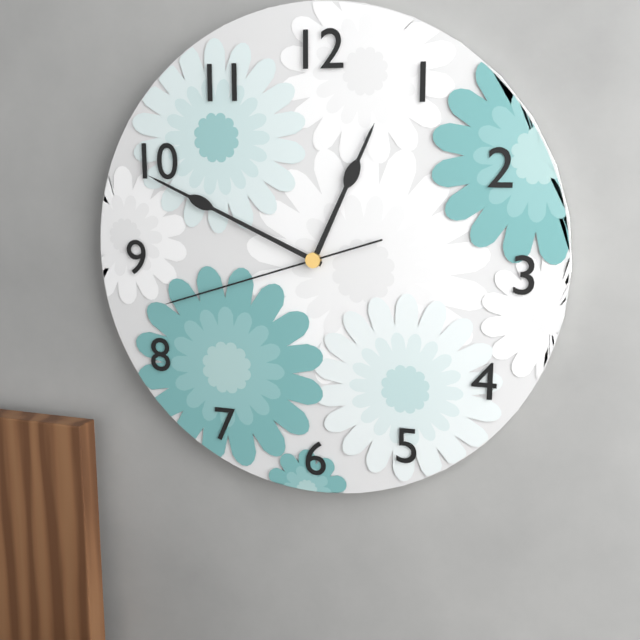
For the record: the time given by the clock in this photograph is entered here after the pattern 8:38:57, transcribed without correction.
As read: 12:49:42
